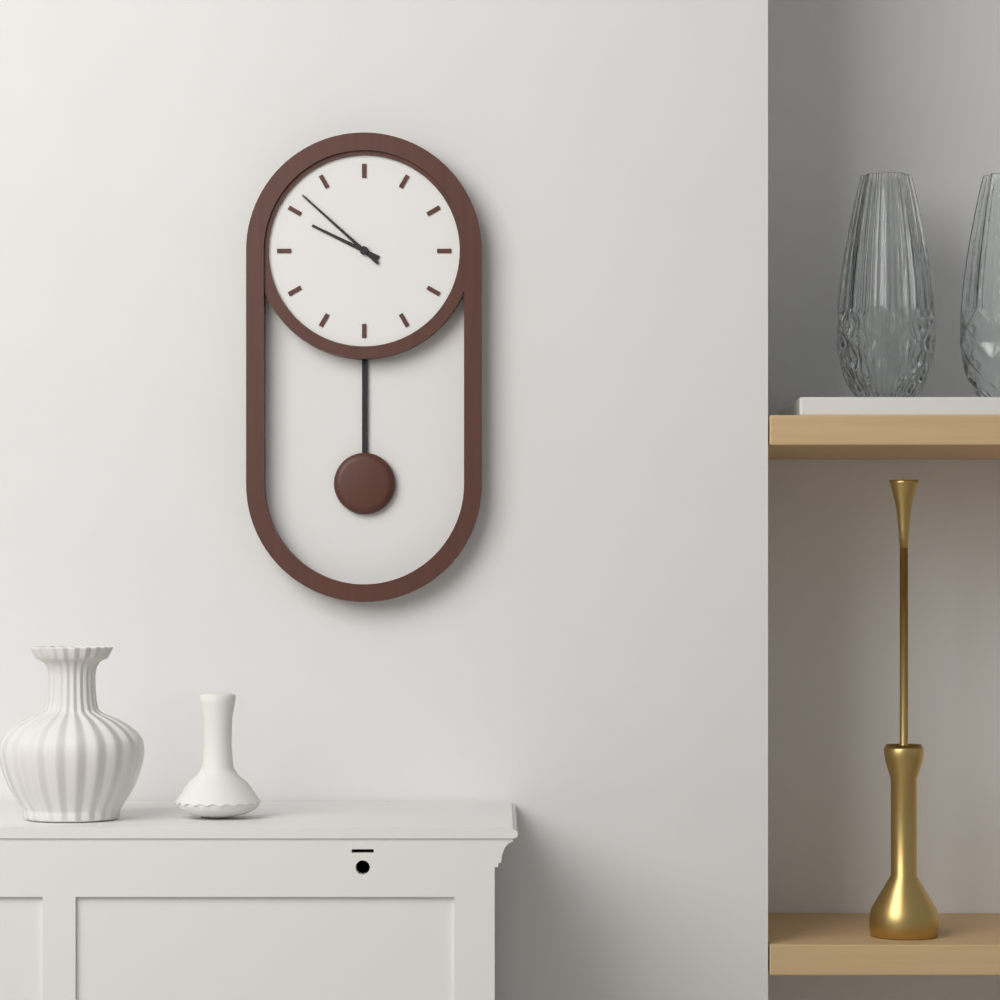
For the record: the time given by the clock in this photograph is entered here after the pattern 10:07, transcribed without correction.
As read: 9:52
